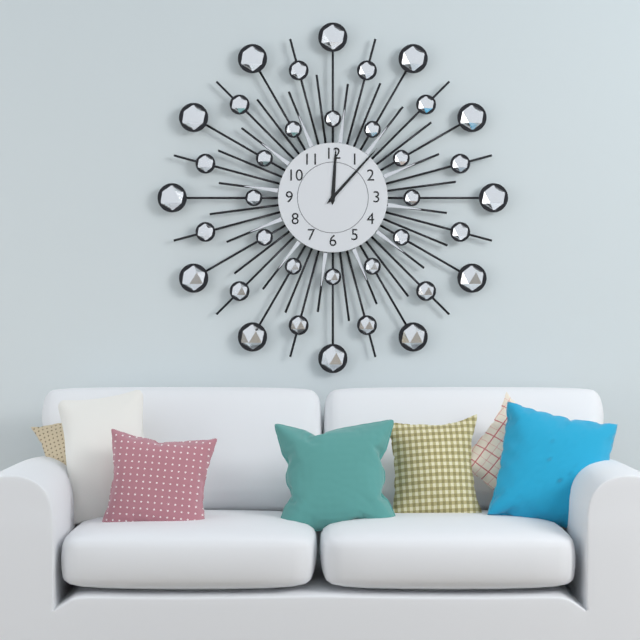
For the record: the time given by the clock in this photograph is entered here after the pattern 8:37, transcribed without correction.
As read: 12:07
